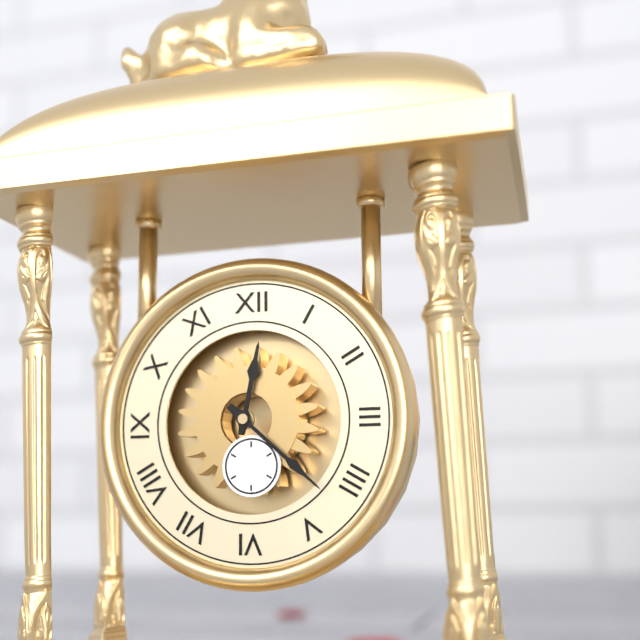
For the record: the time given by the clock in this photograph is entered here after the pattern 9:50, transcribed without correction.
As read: 12:22
